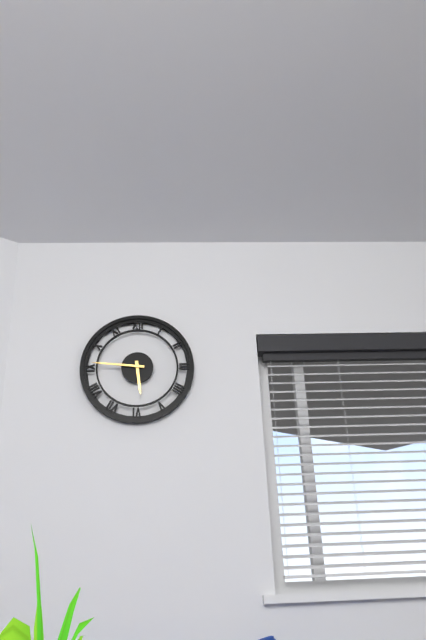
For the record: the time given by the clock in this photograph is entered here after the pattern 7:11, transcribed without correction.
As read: 5:46
